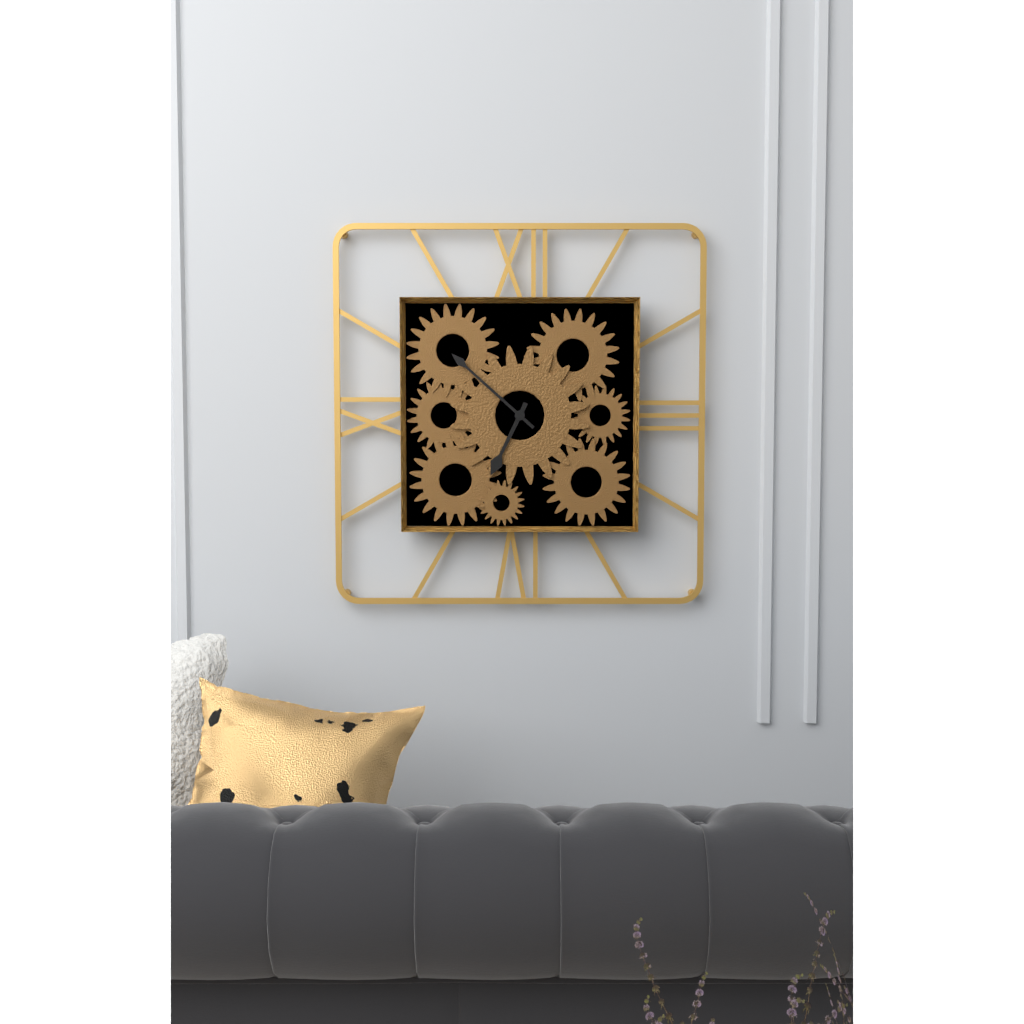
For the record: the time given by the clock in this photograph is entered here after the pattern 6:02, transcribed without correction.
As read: 6:52
